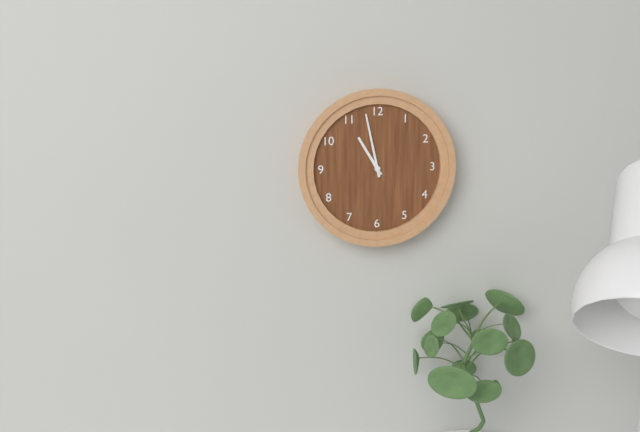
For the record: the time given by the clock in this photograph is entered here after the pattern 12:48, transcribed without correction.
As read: 10:58
